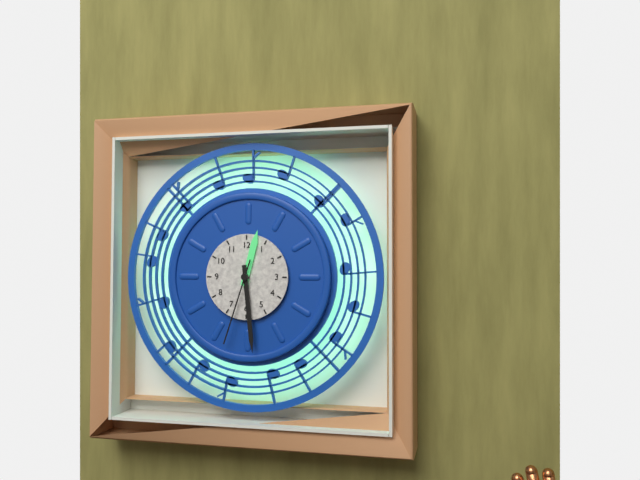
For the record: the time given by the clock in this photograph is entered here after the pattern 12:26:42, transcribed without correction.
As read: 12:29:33
